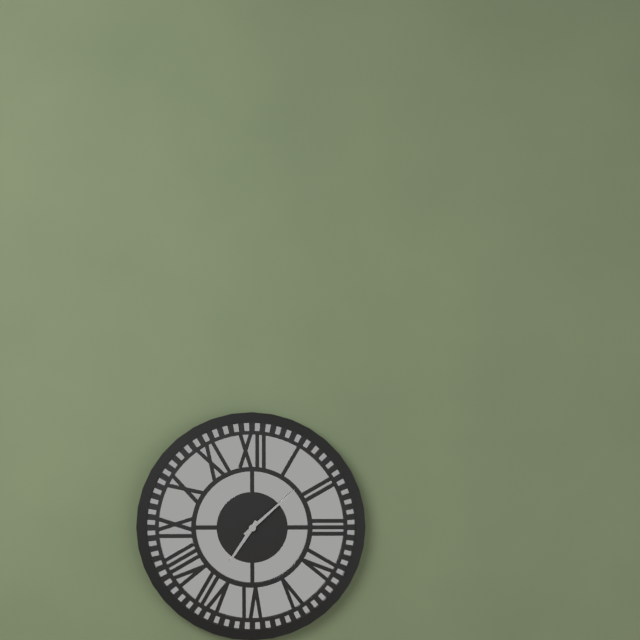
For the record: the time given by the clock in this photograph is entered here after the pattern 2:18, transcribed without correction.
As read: 7:08
